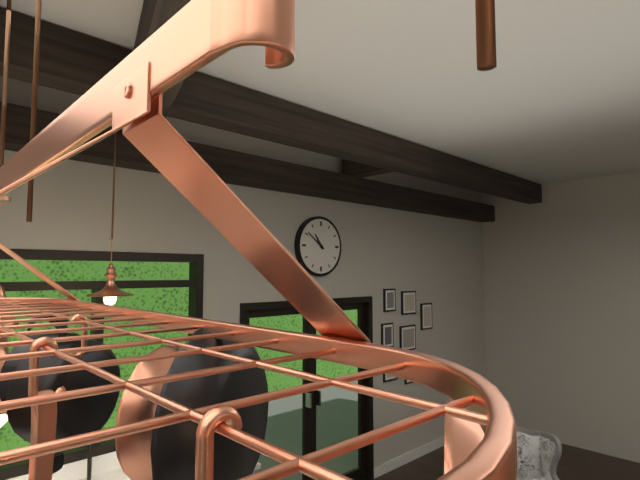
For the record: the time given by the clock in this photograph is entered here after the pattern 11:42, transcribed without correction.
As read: 10:51
